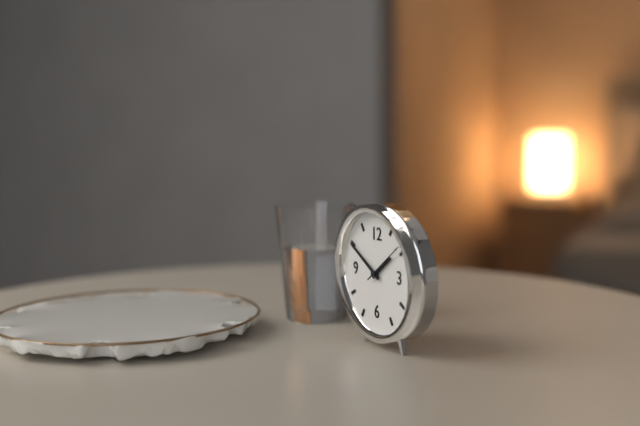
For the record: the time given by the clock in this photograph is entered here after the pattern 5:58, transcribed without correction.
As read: 1:50
